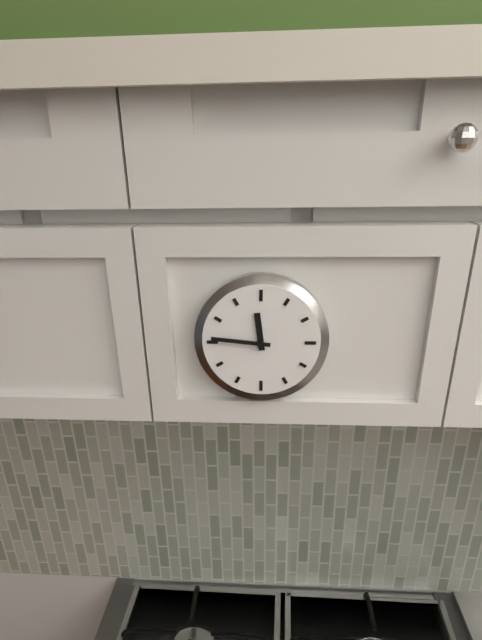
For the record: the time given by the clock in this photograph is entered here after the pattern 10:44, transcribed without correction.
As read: 11:46
